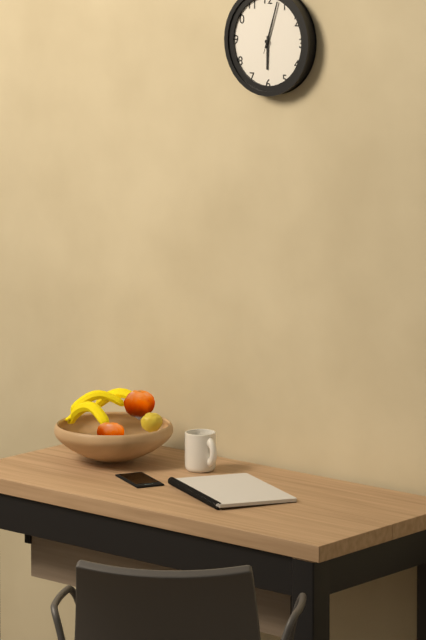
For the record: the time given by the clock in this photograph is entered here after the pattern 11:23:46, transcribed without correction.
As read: 6:03:03
